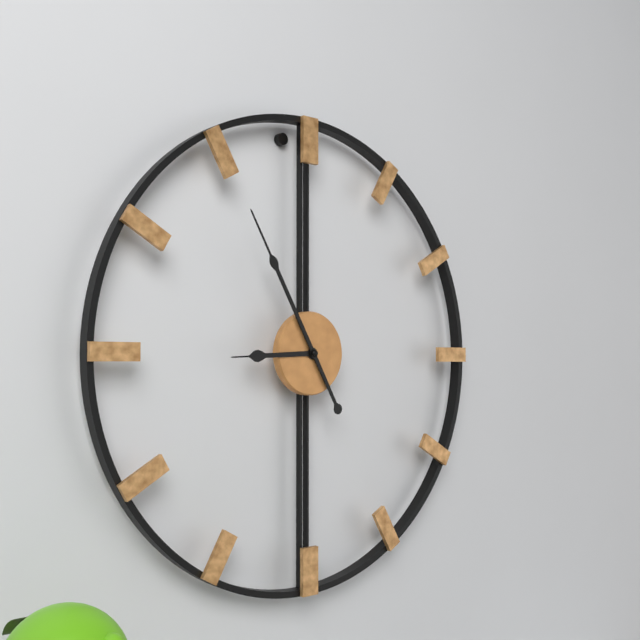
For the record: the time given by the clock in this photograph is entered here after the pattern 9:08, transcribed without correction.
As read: 8:55
